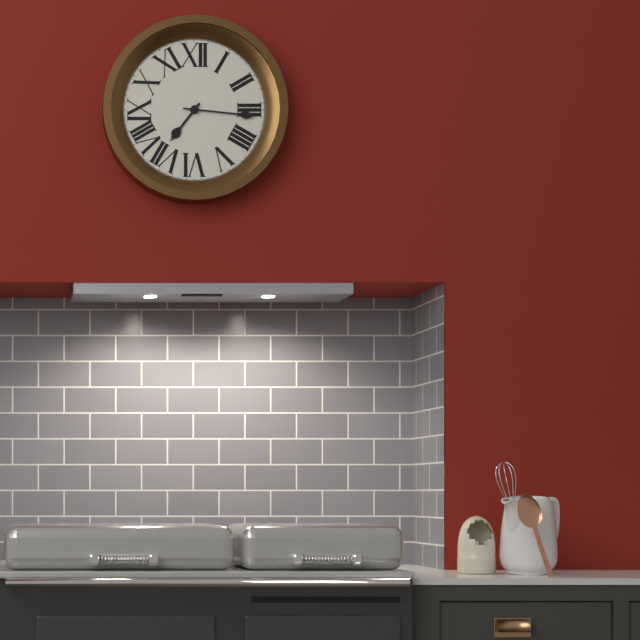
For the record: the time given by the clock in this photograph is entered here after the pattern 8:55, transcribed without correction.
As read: 7:16
